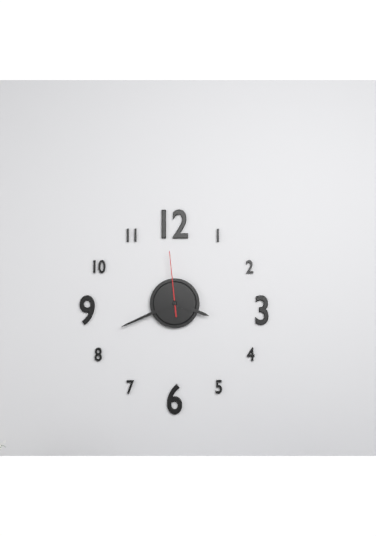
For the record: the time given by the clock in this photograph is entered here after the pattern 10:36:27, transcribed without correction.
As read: 3:41:59
